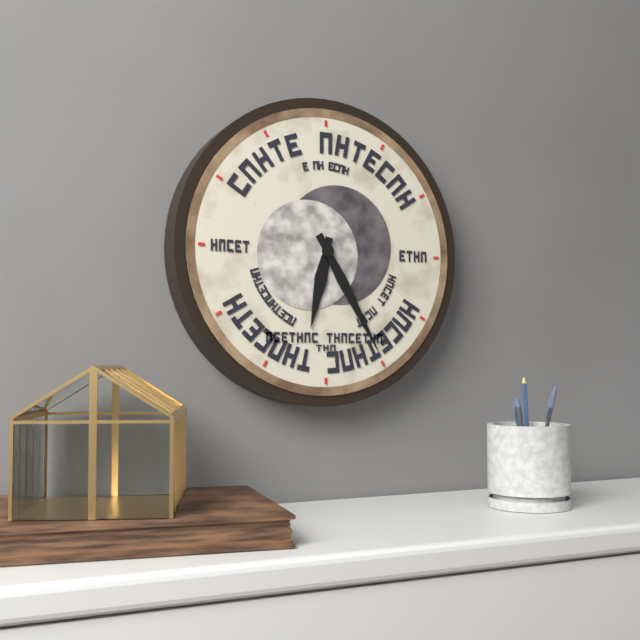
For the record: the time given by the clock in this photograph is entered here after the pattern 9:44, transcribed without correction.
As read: 6:25
